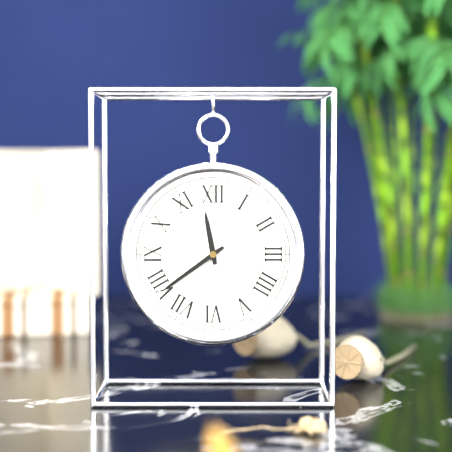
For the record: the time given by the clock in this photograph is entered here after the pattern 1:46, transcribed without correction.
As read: 11:39
